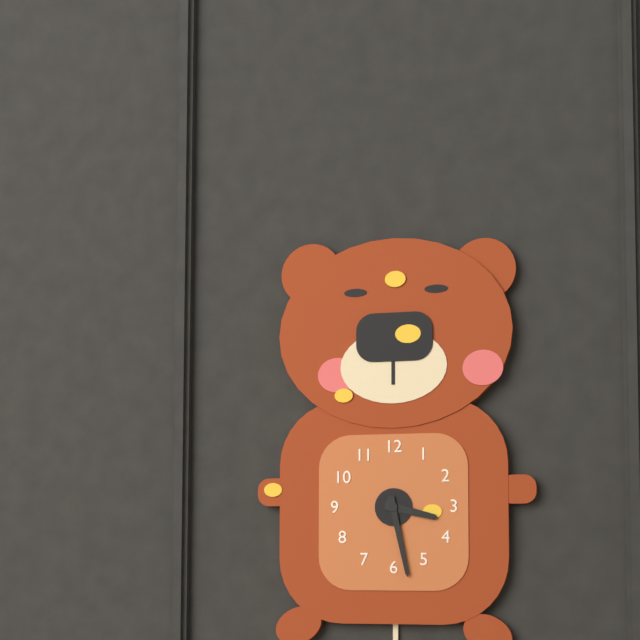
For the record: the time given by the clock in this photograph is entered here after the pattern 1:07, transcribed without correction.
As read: 3:28
